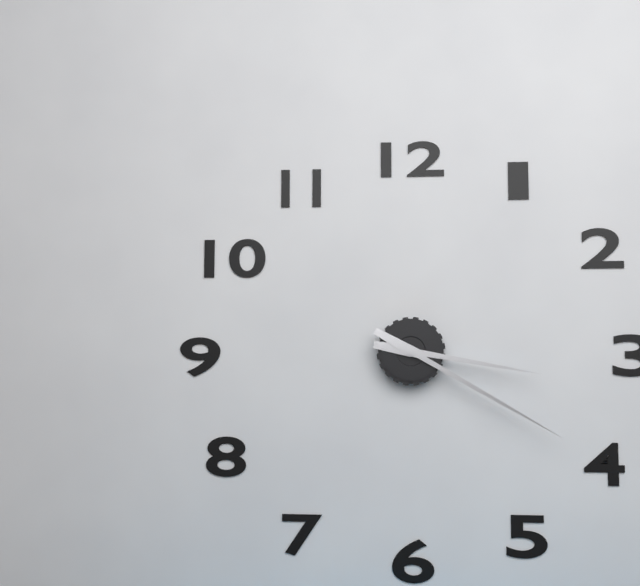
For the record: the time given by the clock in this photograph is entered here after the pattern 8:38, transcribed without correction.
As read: 3:20
